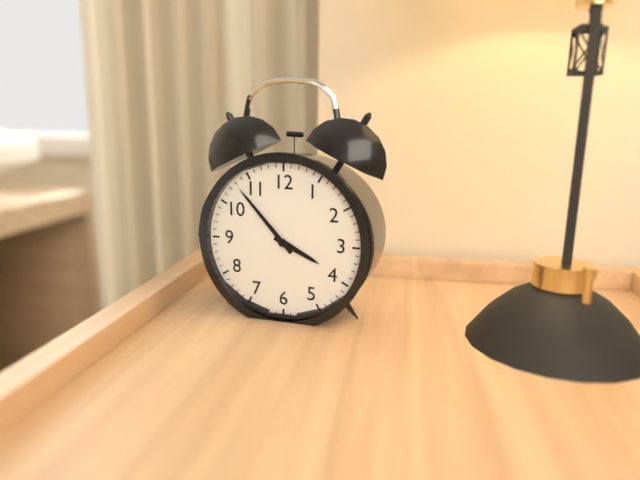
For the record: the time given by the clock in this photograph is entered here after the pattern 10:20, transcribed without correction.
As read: 3:53
